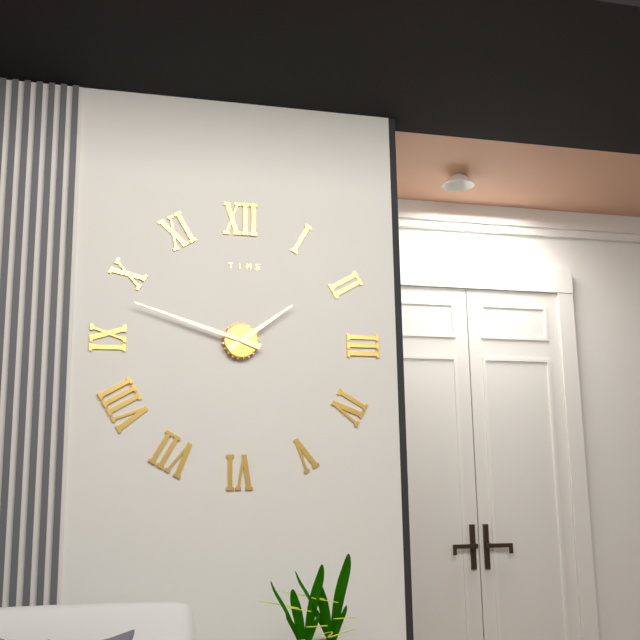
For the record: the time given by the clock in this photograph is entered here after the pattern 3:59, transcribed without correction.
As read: 1:48
